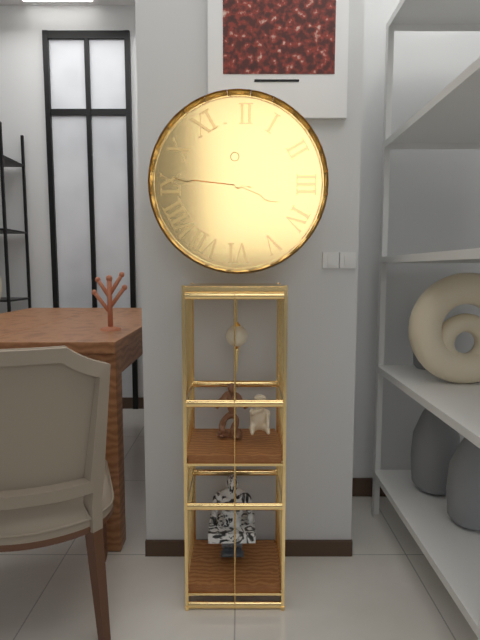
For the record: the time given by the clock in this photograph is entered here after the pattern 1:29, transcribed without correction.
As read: 3:46
